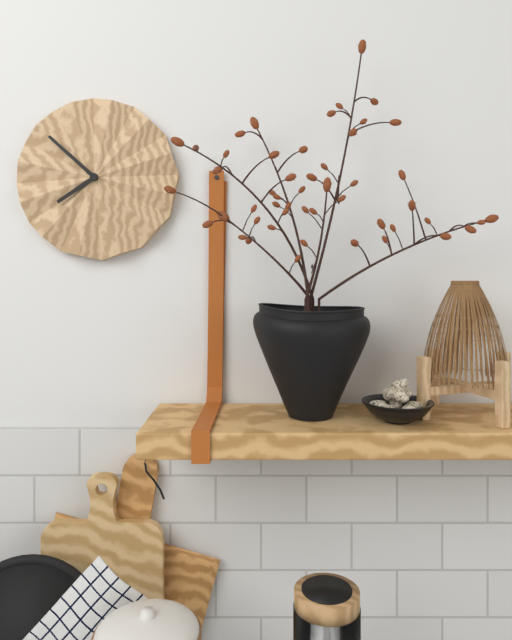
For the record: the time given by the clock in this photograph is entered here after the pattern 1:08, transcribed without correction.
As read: 7:52
